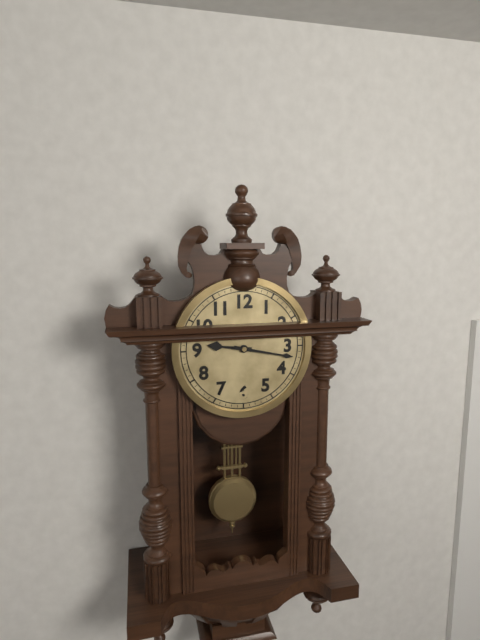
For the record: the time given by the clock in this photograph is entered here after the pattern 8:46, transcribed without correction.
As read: 9:17
